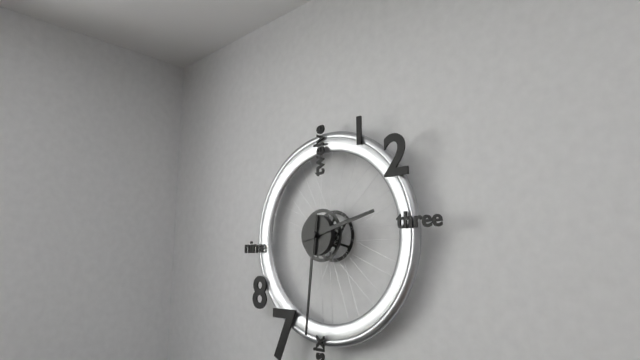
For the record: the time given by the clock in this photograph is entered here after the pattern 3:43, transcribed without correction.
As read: 2:31
